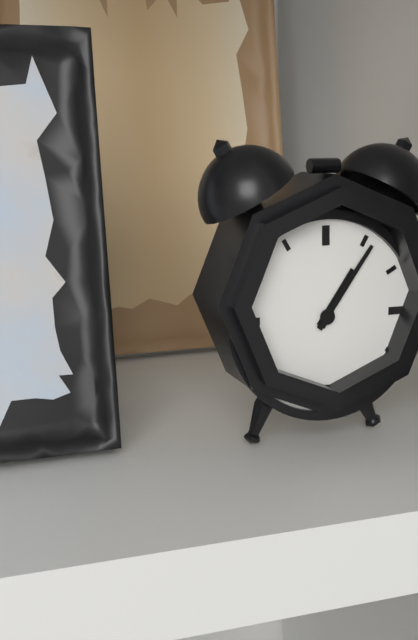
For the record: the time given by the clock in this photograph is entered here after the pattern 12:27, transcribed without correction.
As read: 1:06
